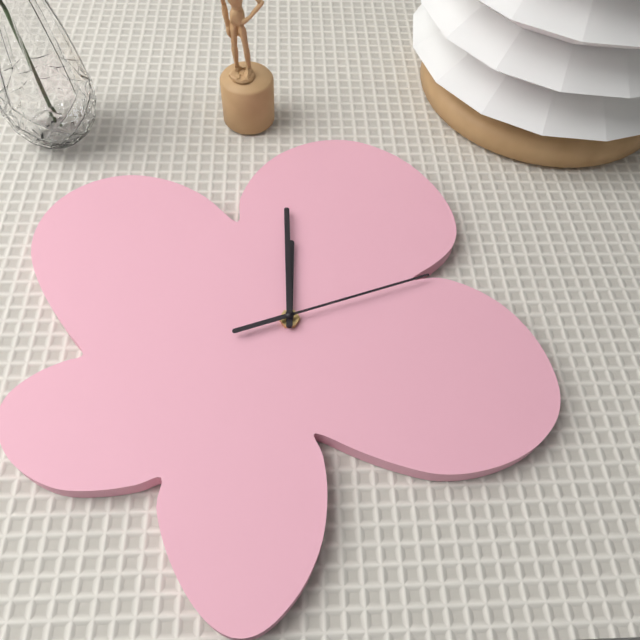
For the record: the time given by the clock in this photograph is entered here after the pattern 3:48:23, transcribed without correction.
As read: 1:05:17
